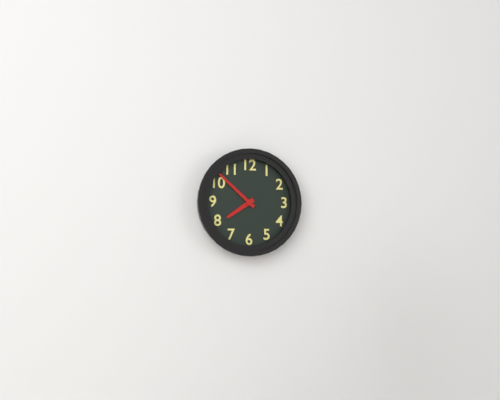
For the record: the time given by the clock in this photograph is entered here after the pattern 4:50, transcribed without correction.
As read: 7:52
